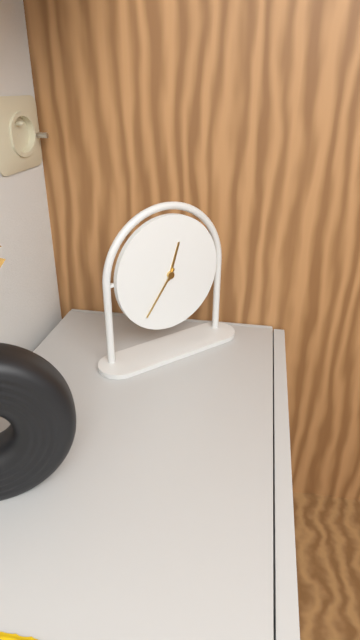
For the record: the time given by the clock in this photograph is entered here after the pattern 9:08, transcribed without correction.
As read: 12:36
